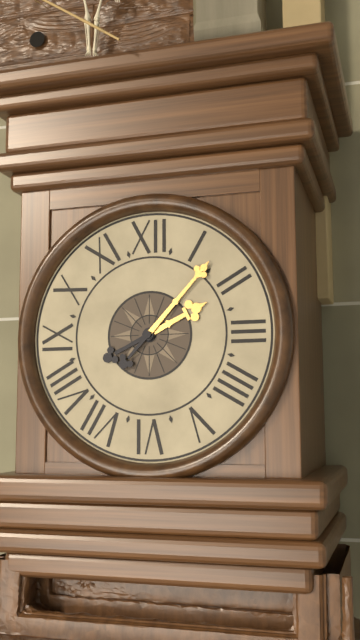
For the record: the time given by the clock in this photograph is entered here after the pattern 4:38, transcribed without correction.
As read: 2:07
